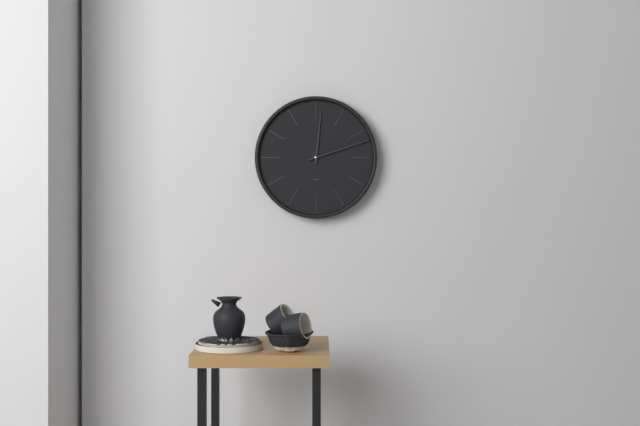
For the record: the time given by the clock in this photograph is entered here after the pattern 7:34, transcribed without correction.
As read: 12:12
